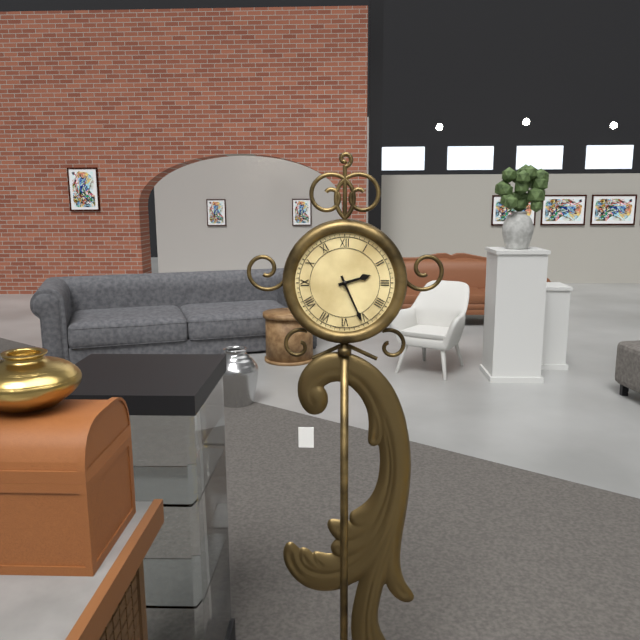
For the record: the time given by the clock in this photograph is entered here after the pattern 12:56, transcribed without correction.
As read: 2:26
